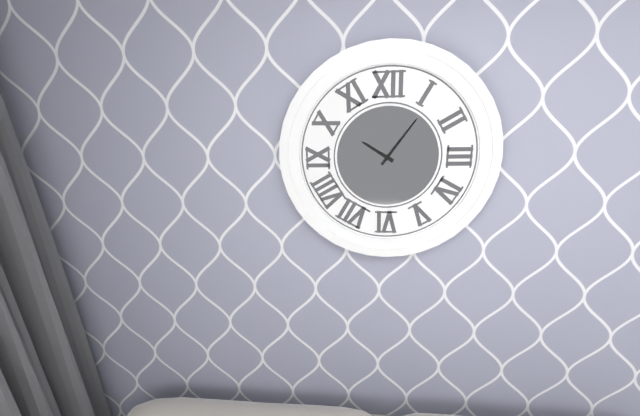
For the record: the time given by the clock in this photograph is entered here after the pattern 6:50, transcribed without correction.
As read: 10:06
